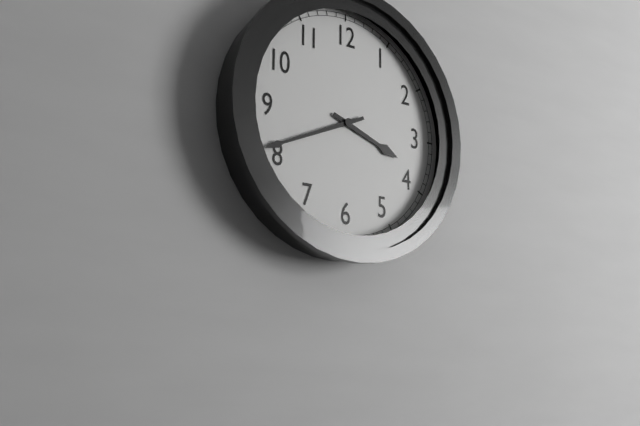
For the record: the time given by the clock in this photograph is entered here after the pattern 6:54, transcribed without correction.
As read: 3:41
